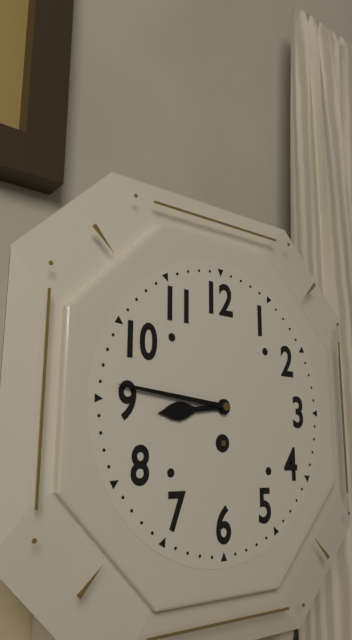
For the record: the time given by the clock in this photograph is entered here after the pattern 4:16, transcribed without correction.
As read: 8:46
